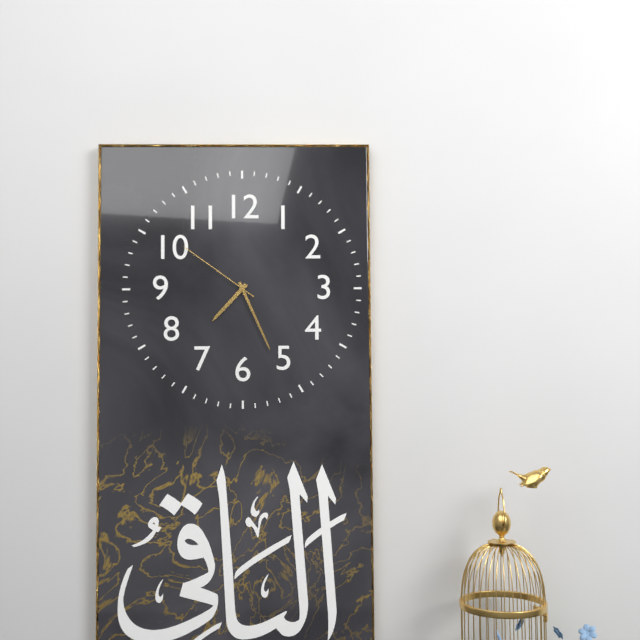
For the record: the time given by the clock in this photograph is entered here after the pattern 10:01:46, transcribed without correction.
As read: 7:26:51
